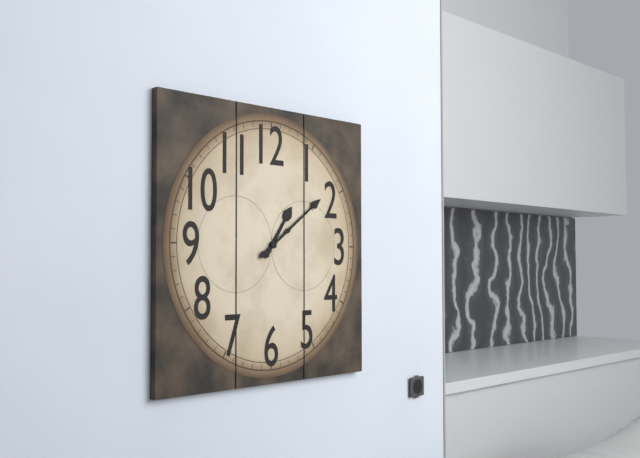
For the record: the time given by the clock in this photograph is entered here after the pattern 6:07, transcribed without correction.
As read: 1:09
